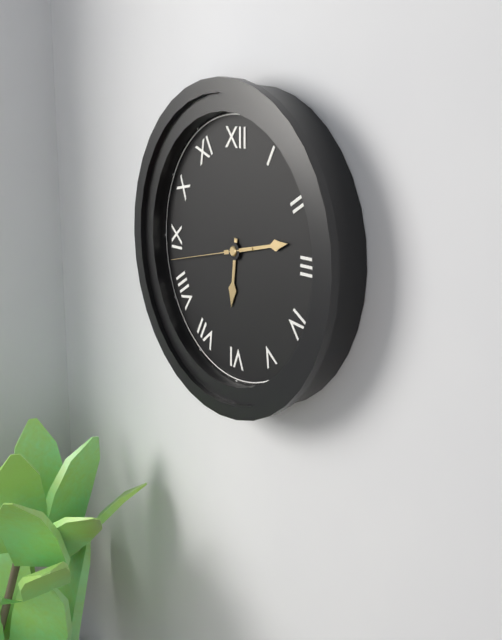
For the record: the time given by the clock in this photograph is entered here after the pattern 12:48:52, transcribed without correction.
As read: 6:13:43
